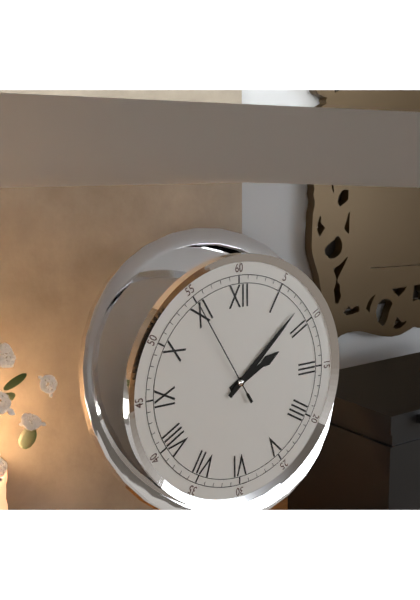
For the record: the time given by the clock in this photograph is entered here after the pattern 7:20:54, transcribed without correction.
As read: 2:08:55
